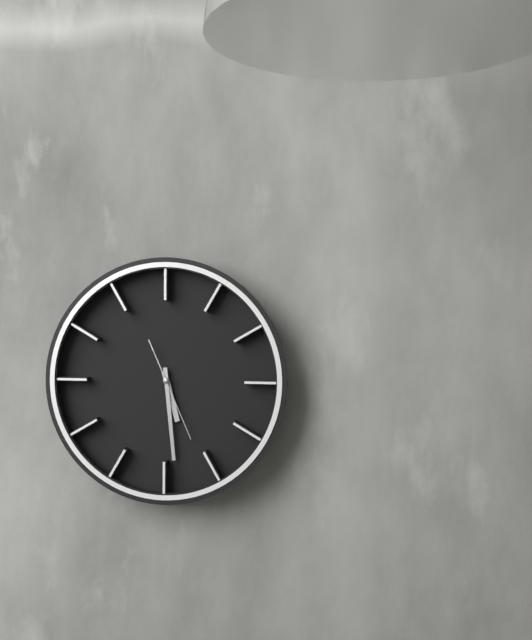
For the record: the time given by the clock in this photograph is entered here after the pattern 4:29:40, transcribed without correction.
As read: 5:29:26
